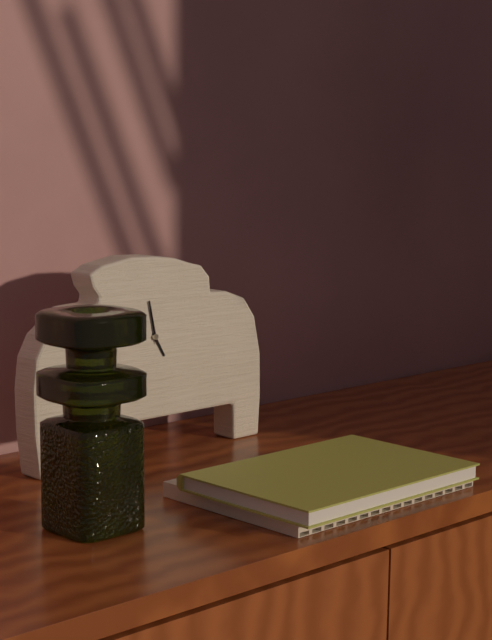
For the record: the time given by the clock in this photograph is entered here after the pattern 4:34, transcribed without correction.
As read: 4:58
